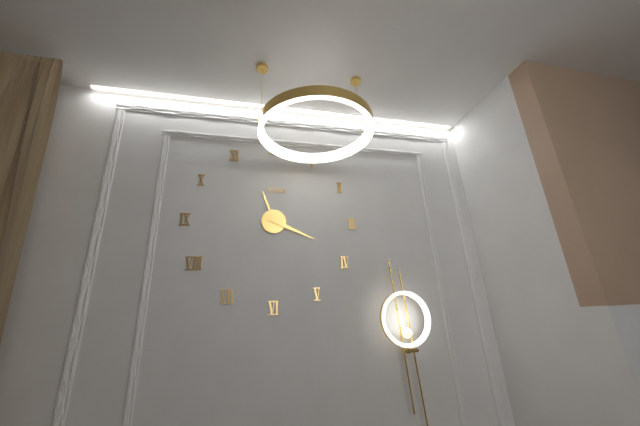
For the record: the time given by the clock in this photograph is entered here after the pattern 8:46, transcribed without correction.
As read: 11:19
